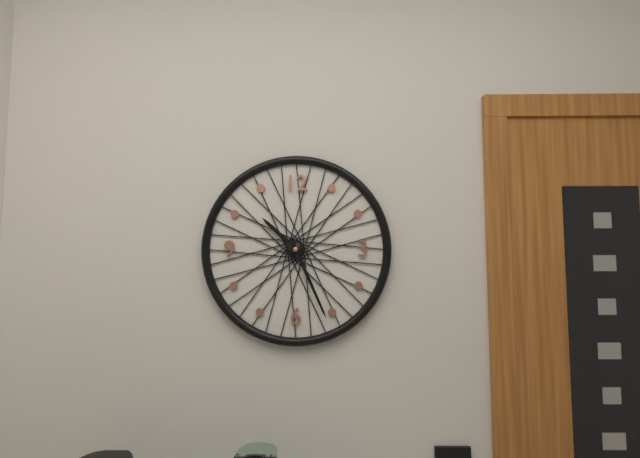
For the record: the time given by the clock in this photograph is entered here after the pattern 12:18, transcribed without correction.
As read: 10:26
